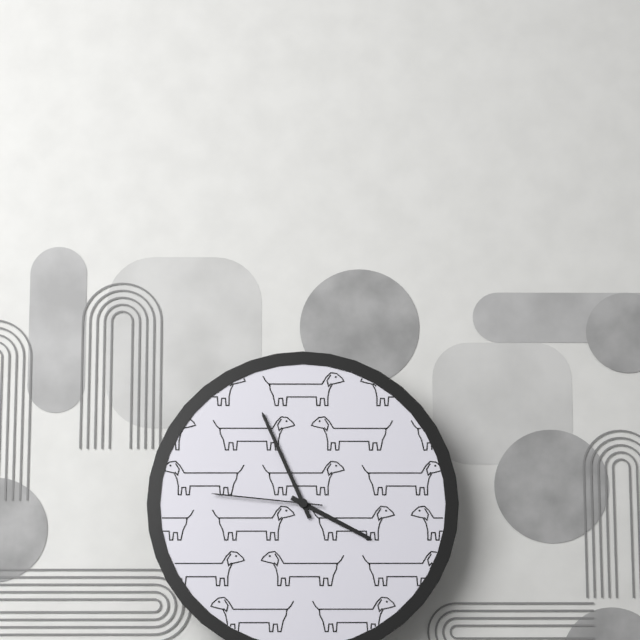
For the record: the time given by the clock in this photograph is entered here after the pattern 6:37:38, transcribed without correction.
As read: 3:56:46
